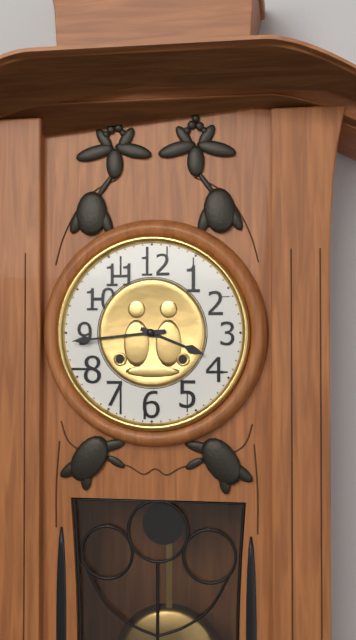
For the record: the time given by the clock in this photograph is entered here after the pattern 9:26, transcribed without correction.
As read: 3:44
